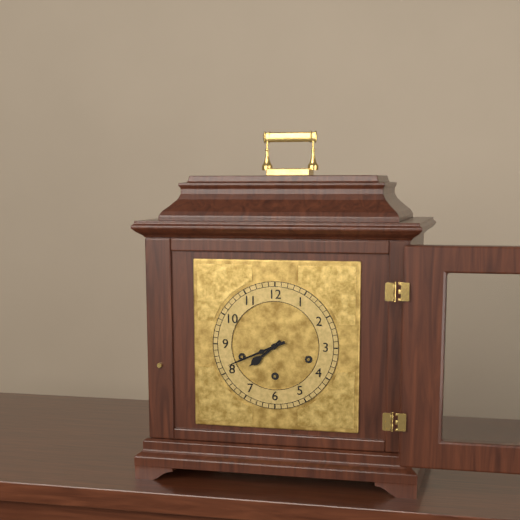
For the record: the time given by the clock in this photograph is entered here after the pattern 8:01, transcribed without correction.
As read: 7:41
